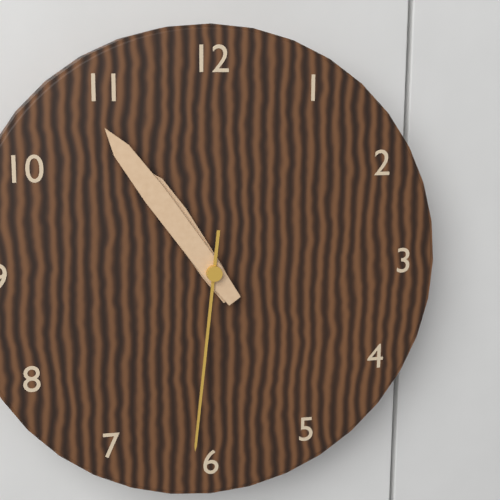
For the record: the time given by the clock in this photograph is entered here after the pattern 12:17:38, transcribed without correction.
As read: 10:54:31
